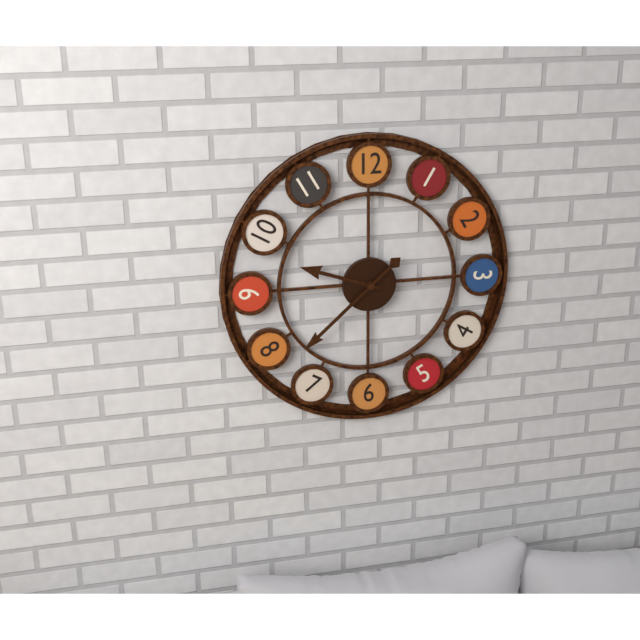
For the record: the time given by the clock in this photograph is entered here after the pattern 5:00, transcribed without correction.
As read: 9:38
